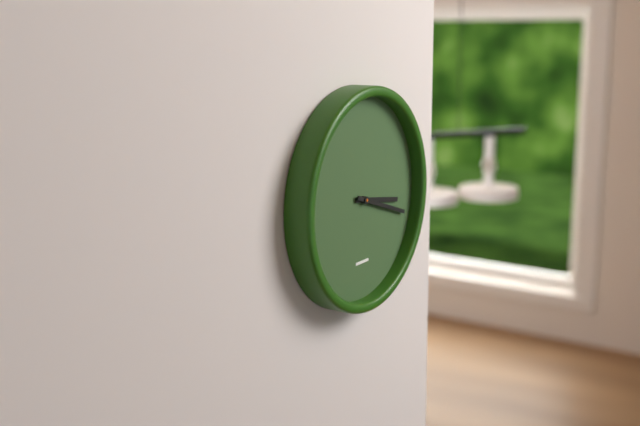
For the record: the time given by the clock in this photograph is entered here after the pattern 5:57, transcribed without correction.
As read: 3:18
